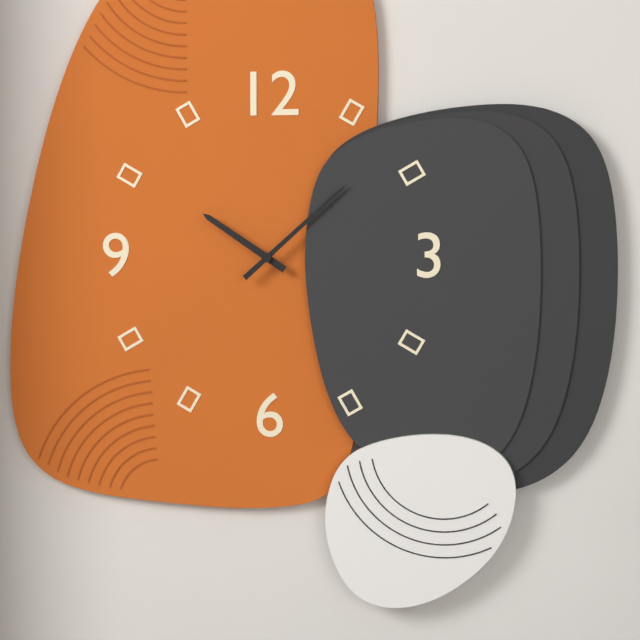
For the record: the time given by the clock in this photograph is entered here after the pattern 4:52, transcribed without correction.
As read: 10:08
